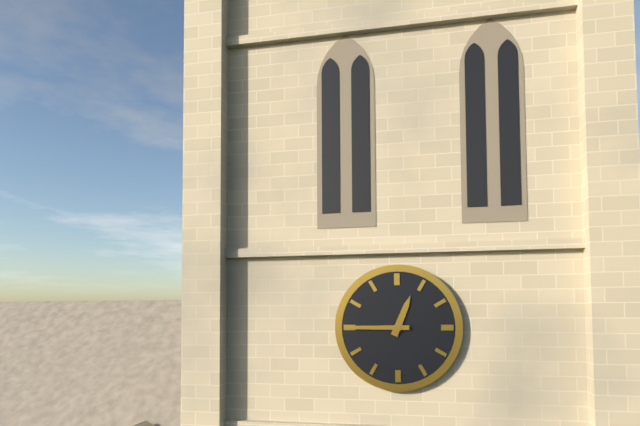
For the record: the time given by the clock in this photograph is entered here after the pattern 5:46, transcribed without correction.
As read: 12:45
